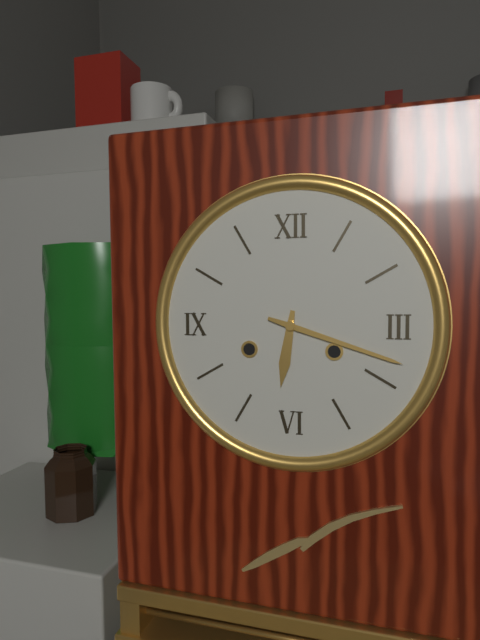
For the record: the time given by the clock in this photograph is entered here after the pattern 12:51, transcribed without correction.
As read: 6:18
